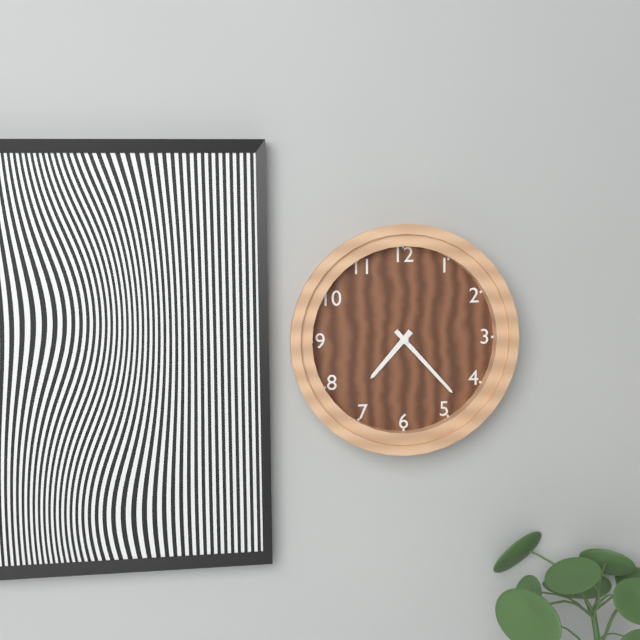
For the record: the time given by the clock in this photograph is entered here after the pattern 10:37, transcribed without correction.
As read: 7:23
